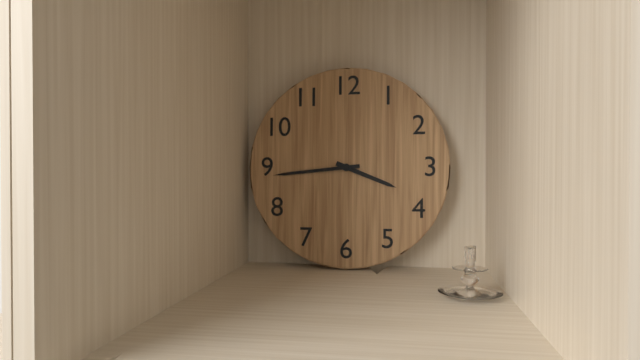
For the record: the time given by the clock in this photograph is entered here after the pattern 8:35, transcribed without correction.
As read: 3:44
